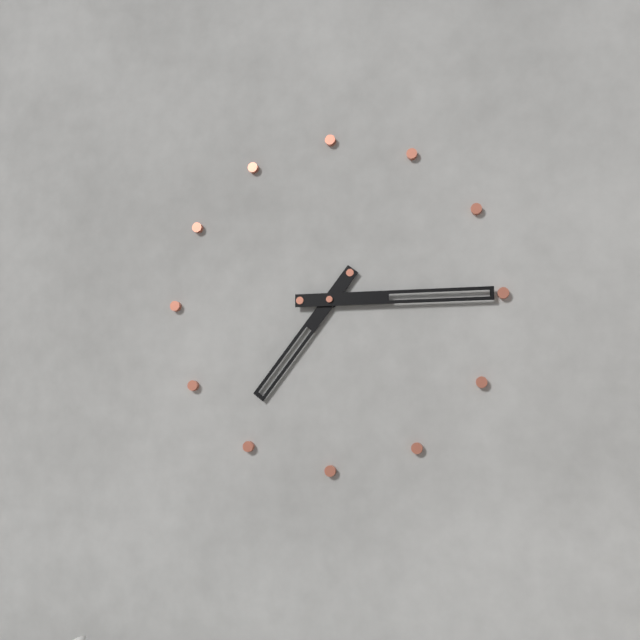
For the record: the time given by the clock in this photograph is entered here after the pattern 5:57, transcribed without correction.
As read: 7:15
